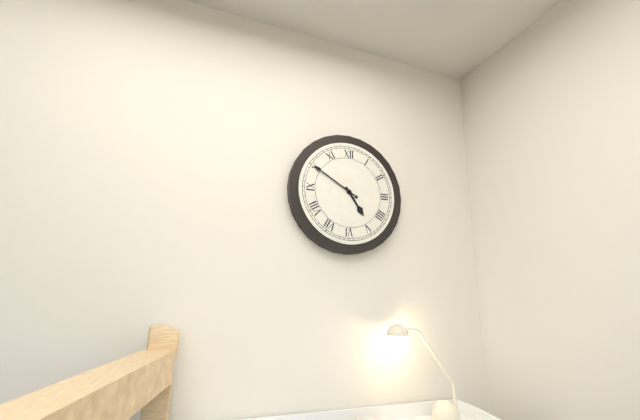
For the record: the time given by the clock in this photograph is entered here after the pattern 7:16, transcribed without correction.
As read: 4:50
